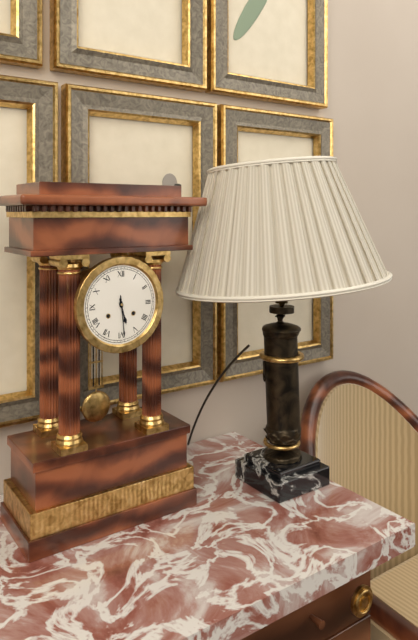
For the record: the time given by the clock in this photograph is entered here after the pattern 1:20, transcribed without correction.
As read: 5:29
